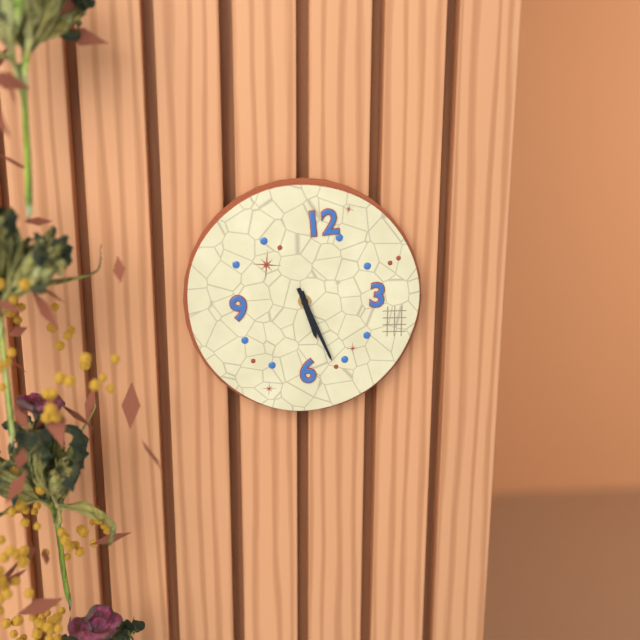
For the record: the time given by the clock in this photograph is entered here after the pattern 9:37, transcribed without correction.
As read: 5:26
